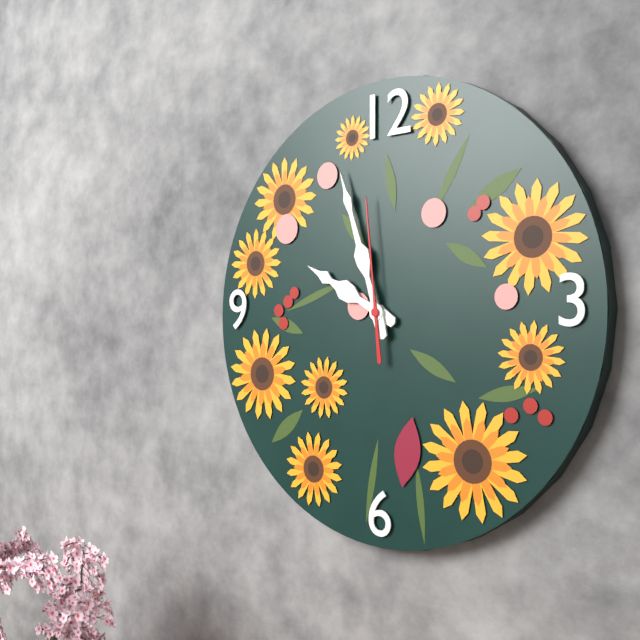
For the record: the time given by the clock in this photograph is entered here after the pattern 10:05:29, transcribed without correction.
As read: 9:57:59
